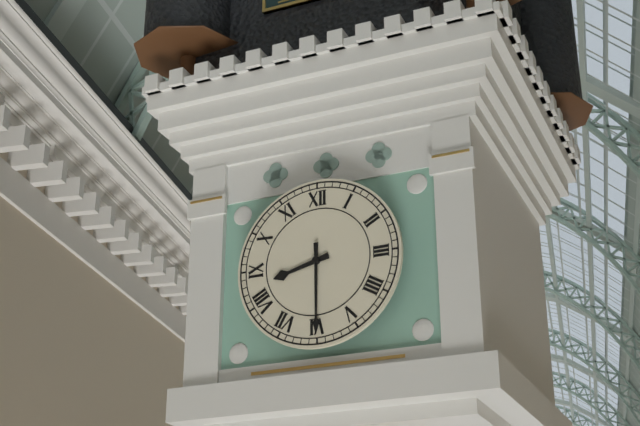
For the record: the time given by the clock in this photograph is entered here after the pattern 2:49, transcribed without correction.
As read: 8:30
